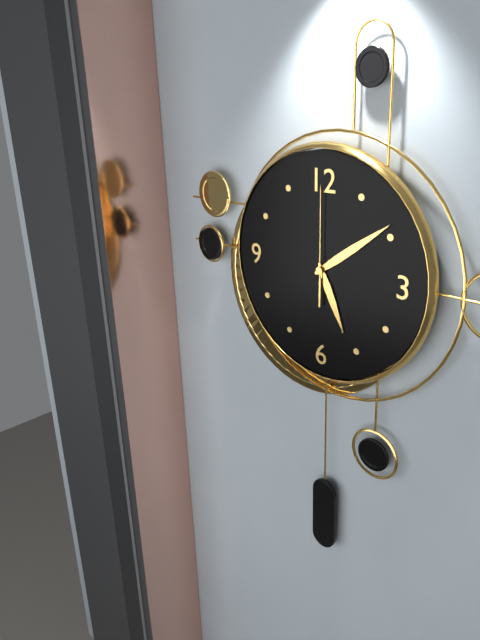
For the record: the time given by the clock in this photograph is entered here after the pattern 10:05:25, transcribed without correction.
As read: 5:09:00
